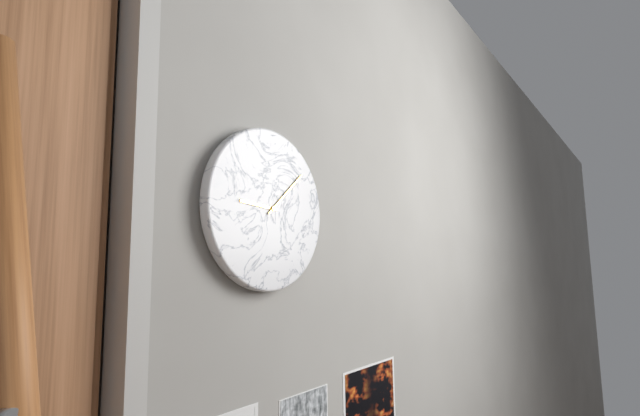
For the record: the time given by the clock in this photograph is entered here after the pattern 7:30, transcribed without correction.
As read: 9:08
